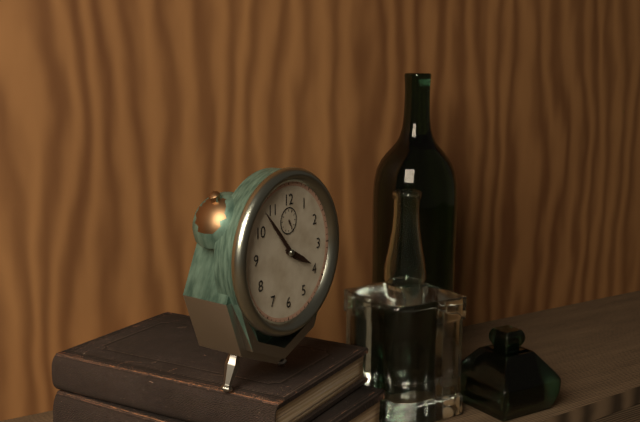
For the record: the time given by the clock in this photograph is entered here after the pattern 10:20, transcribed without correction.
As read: 3:53
